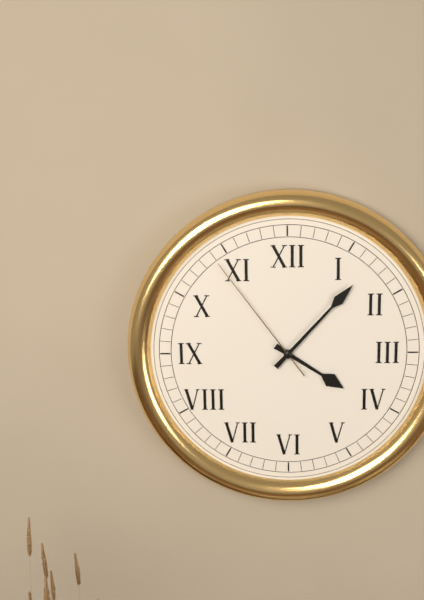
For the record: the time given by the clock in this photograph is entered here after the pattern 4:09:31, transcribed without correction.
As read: 4:07:54
